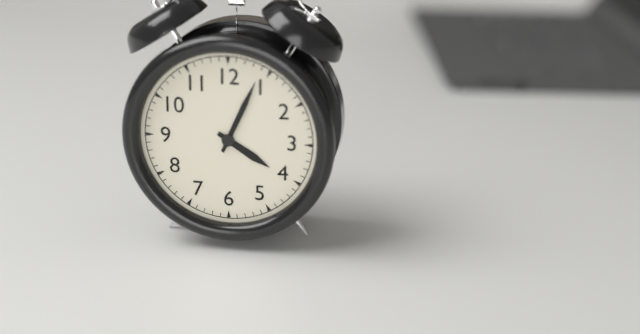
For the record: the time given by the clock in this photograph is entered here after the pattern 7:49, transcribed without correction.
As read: 4:04
